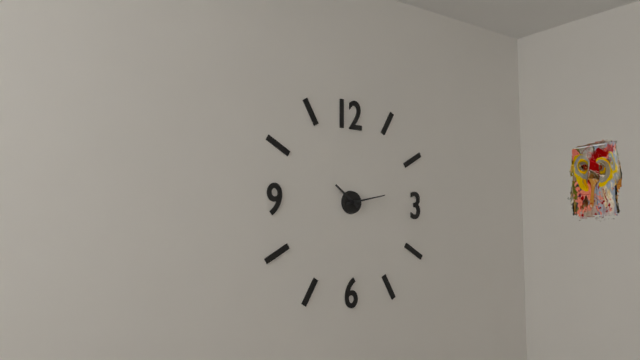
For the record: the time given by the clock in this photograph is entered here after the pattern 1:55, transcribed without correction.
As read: 10:13
